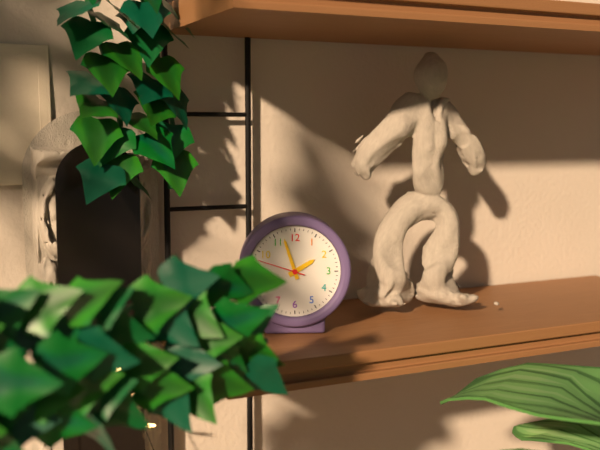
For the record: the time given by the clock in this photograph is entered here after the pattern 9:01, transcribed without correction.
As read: 1:57
